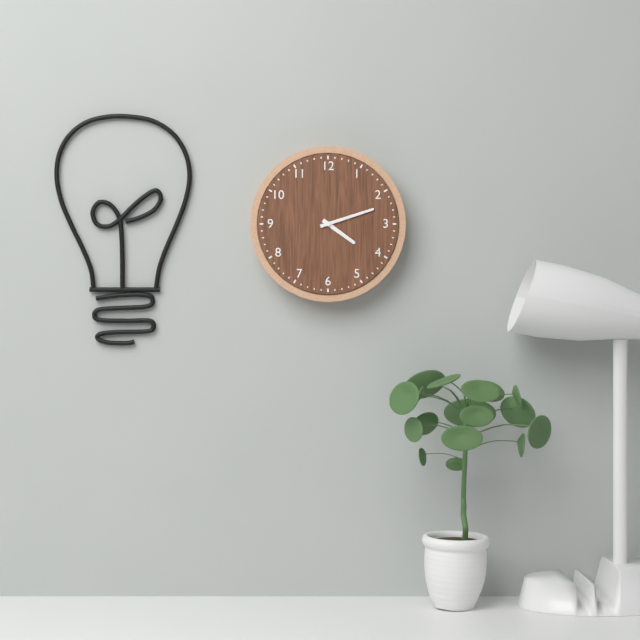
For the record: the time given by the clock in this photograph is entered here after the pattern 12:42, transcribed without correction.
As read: 4:12
